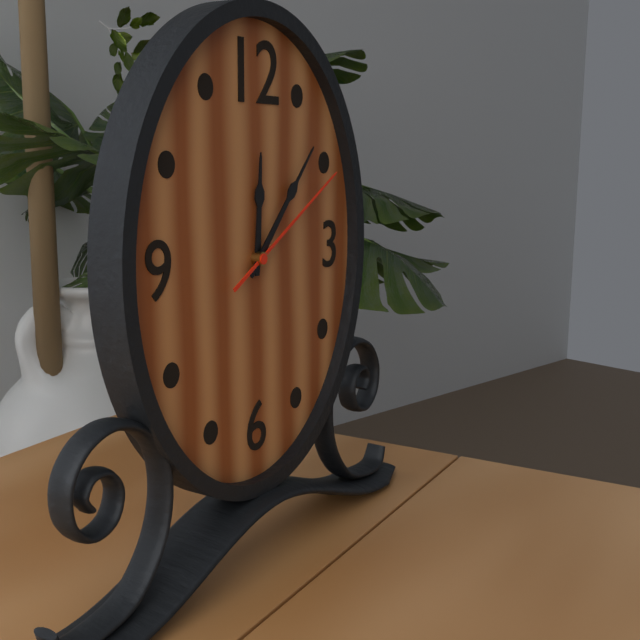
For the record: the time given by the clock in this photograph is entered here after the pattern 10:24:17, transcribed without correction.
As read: 12:07:10
